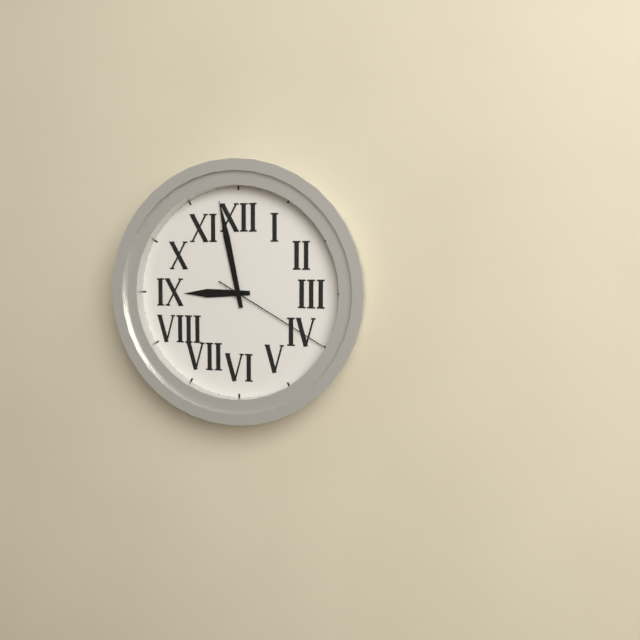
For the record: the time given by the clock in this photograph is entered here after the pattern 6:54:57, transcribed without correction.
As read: 8:58:20
